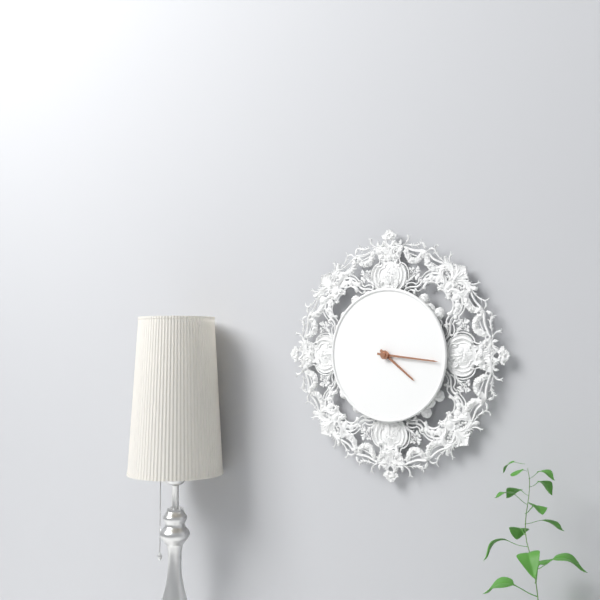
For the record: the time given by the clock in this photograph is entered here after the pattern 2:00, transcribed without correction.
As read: 4:16
